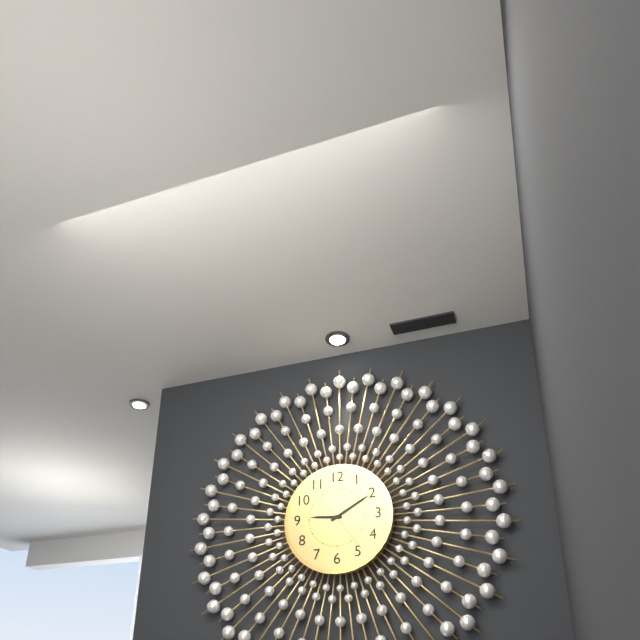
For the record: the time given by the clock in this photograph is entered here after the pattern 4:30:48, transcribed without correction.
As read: 9:10:24
